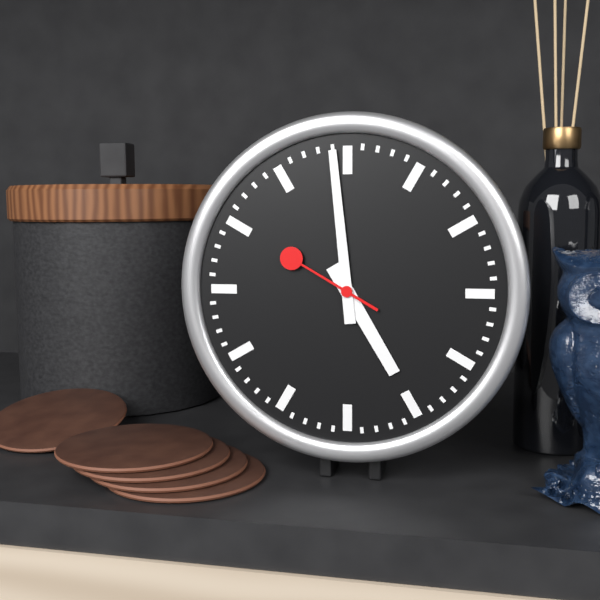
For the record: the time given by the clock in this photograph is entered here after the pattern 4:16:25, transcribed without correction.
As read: 4:59:50
